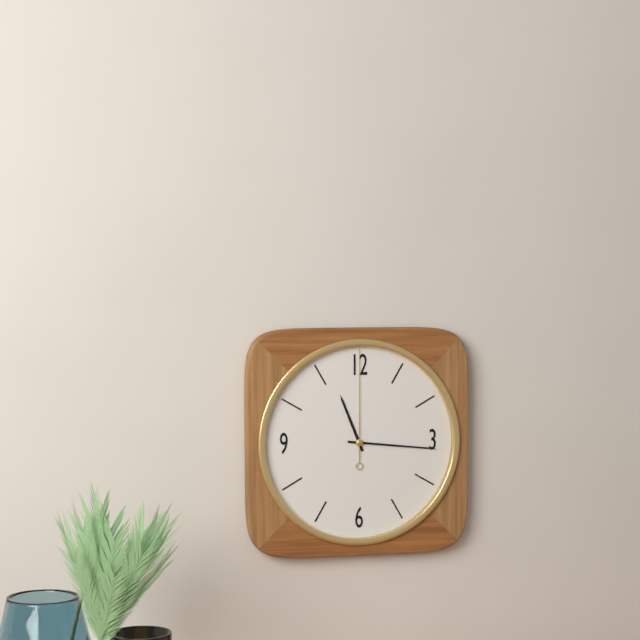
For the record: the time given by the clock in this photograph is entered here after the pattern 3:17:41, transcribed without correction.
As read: 11:16:00
